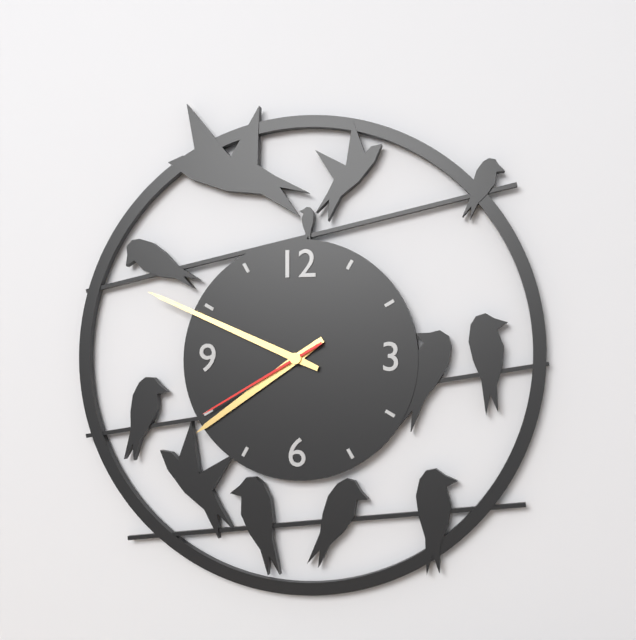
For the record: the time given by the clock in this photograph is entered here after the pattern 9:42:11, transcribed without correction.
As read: 7:49:40
